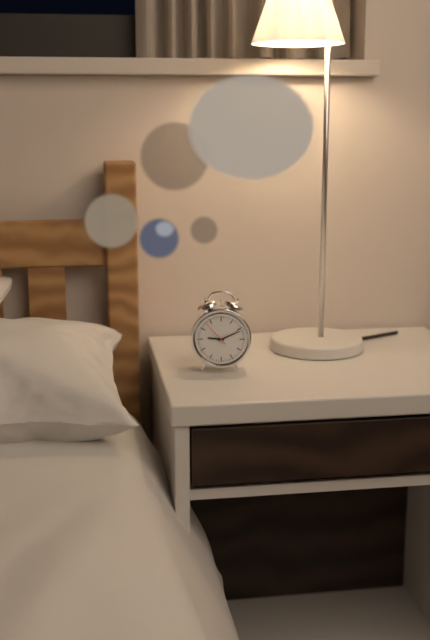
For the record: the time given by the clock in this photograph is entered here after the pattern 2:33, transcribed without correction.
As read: 9:11
